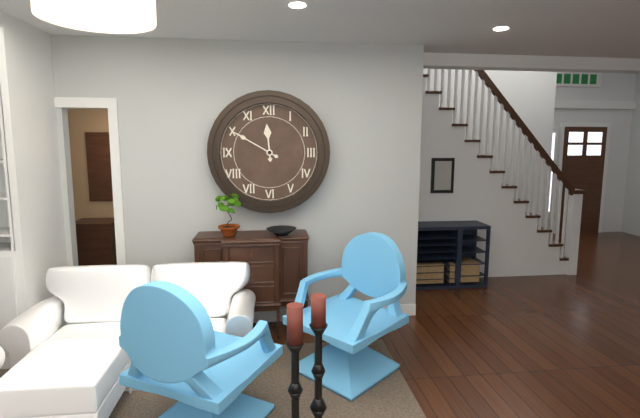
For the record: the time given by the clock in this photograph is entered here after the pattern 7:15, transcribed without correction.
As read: 11:50
